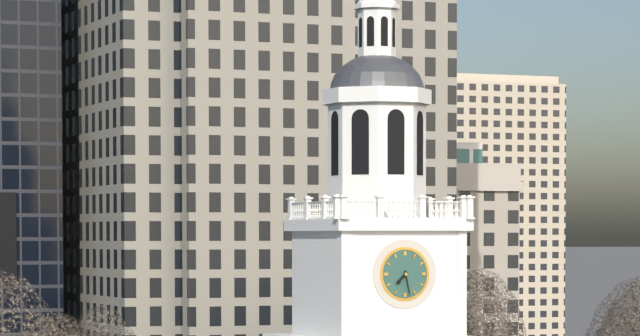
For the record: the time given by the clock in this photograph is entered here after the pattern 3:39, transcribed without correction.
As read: 7:28
